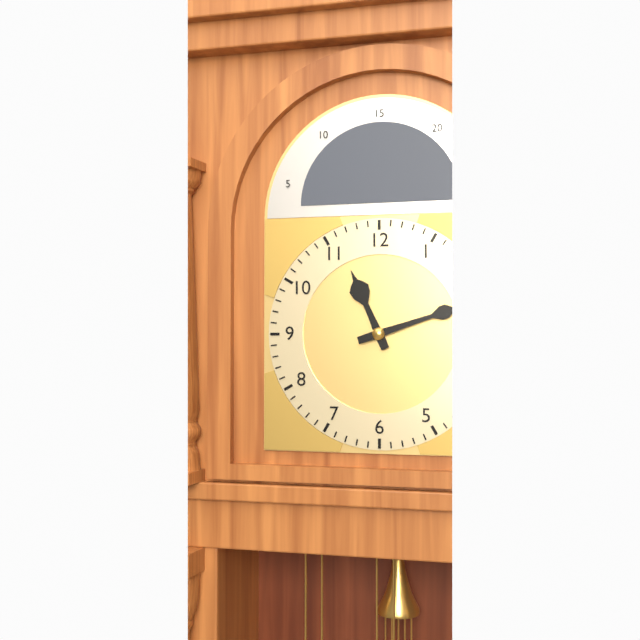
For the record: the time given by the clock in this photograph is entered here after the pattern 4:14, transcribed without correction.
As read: 11:12
